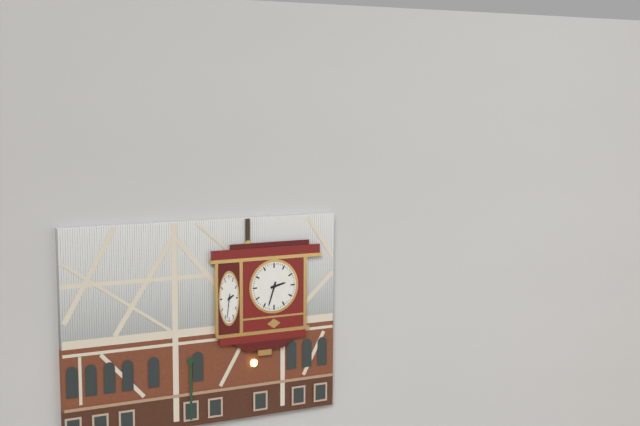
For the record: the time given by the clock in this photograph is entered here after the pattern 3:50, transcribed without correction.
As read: 2:33
